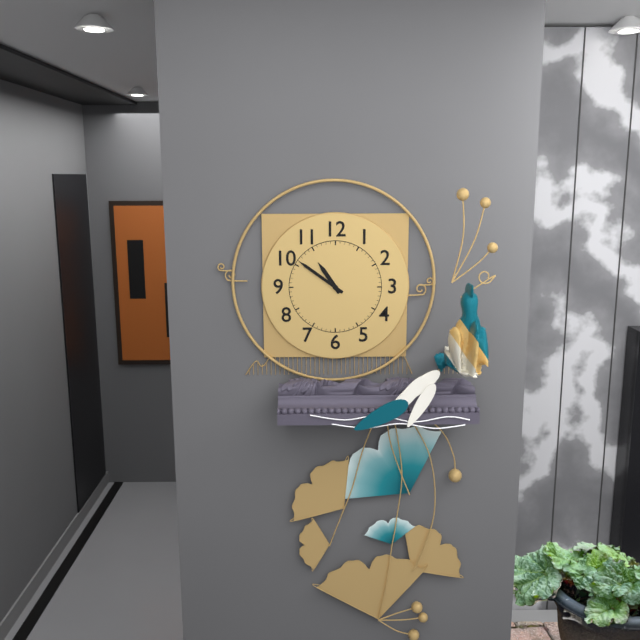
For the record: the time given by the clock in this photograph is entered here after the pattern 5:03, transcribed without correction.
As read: 10:51
